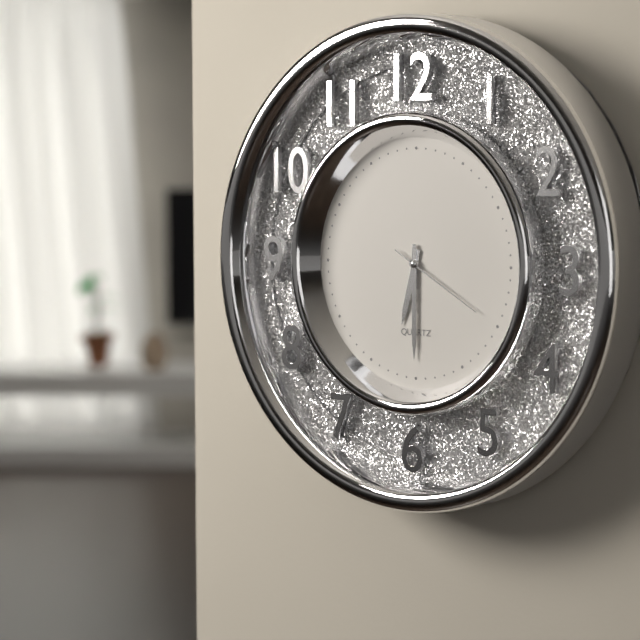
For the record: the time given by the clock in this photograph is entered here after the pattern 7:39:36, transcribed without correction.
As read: 6:30:20
